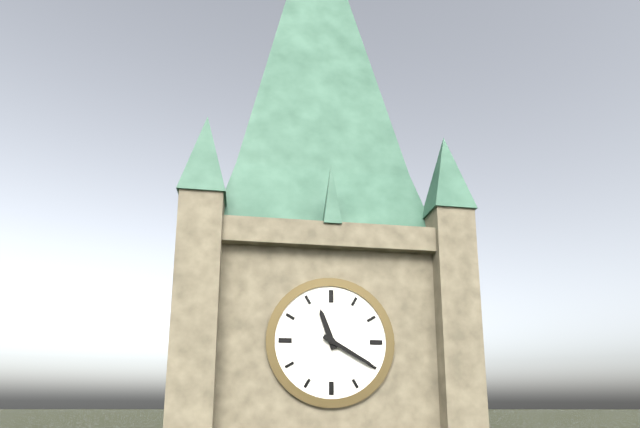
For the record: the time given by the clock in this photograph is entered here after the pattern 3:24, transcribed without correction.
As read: 11:20
